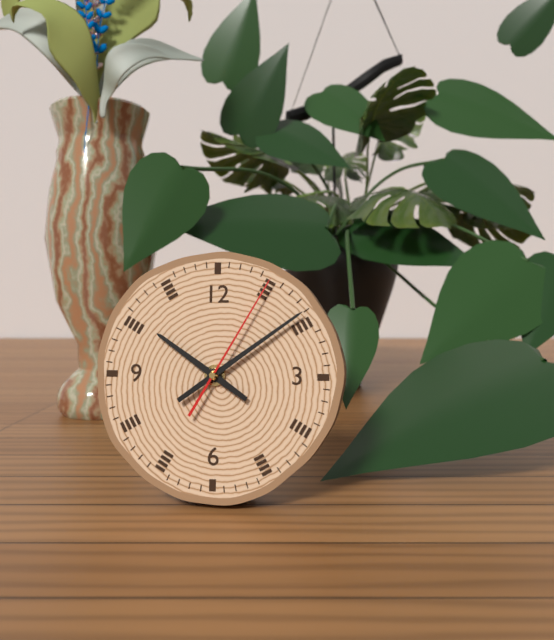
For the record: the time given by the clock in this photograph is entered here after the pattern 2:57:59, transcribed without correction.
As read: 10:09:05
